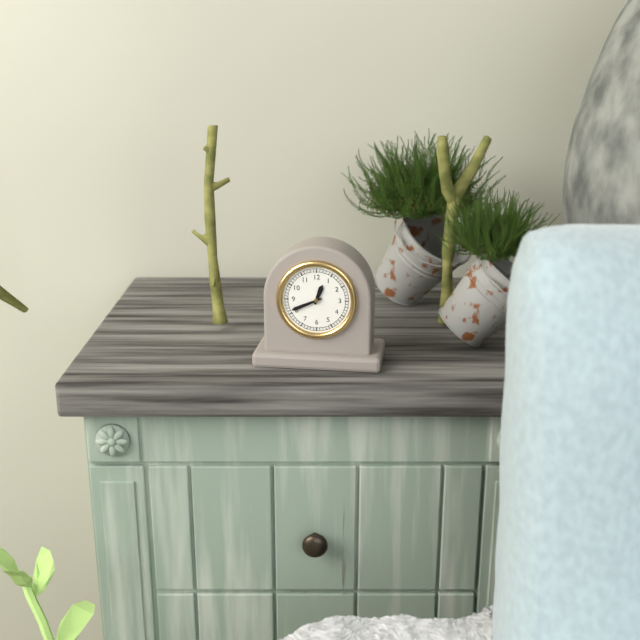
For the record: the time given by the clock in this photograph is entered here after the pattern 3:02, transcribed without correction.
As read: 12:41
